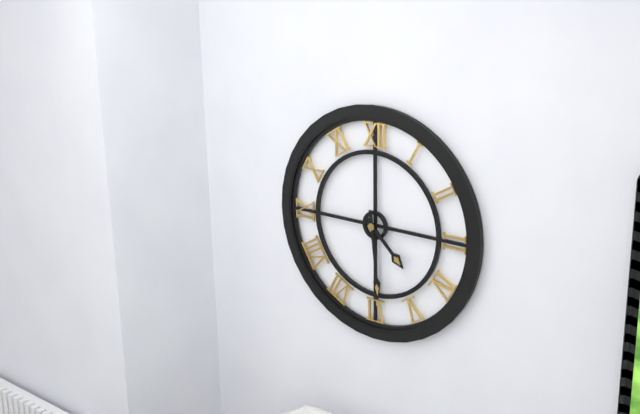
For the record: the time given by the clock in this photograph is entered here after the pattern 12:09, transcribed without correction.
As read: 4:29
